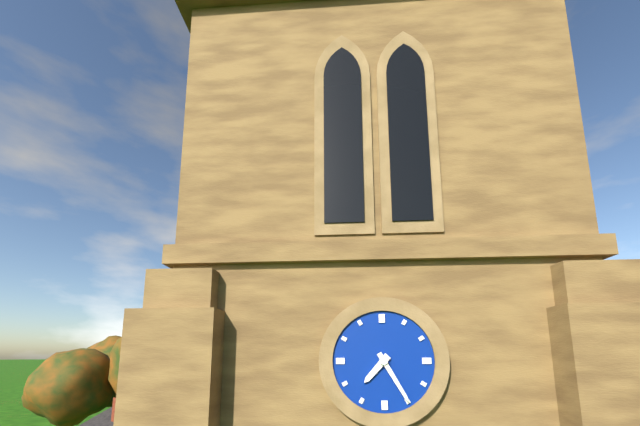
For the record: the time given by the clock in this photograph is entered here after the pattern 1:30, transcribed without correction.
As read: 7:25
